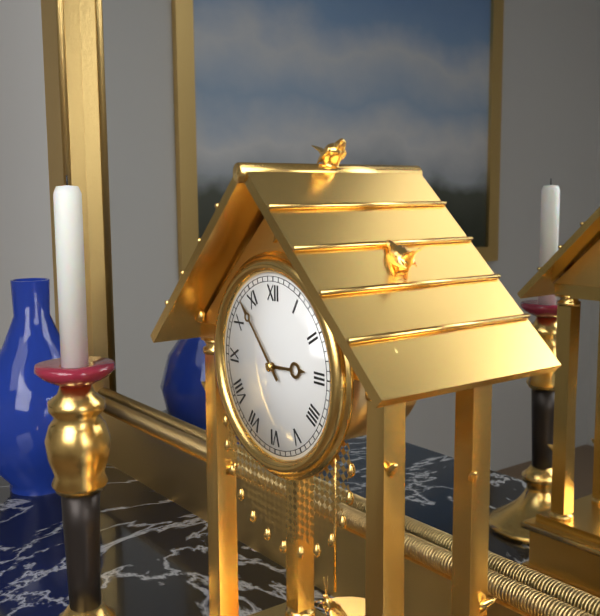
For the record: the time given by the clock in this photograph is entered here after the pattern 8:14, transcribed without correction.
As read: 2:53
